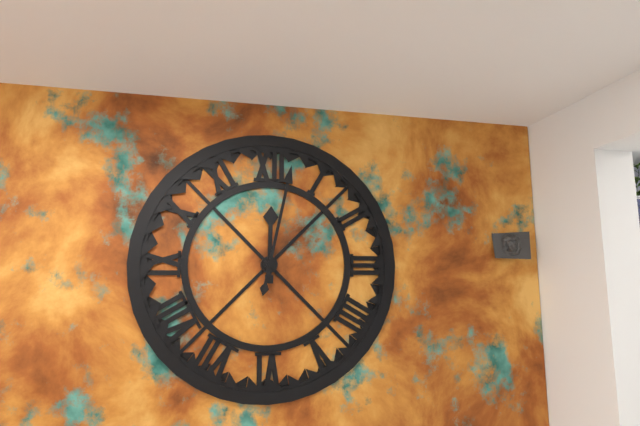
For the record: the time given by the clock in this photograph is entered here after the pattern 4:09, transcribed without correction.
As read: 12:02
